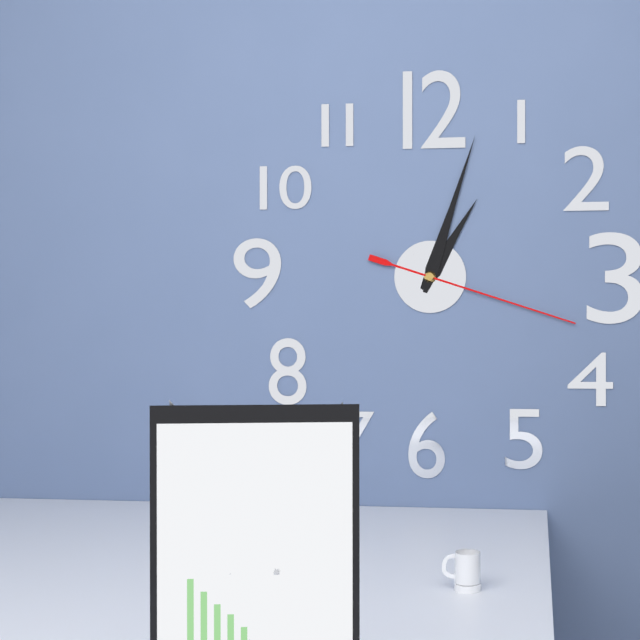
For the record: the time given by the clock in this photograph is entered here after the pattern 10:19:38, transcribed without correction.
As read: 1:03:18
